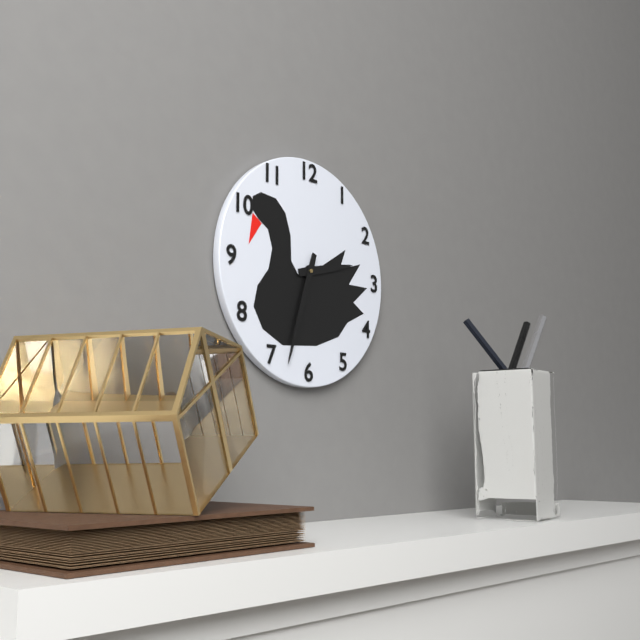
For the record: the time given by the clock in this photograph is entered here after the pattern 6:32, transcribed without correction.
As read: 2:33
